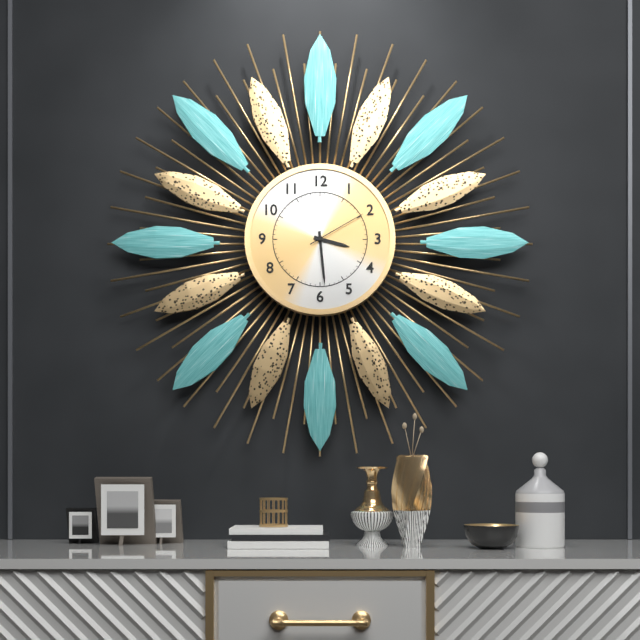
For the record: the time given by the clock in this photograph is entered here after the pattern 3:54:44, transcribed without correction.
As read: 3:29:10
